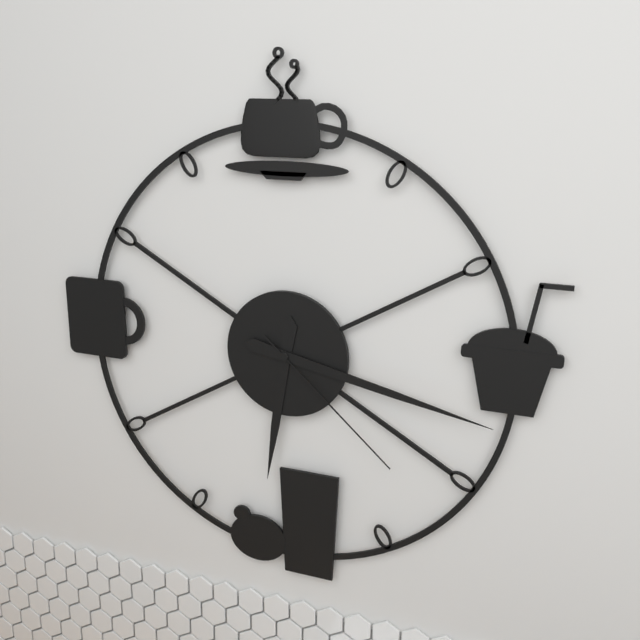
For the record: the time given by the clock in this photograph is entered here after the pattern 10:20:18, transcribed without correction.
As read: 6:17:22
